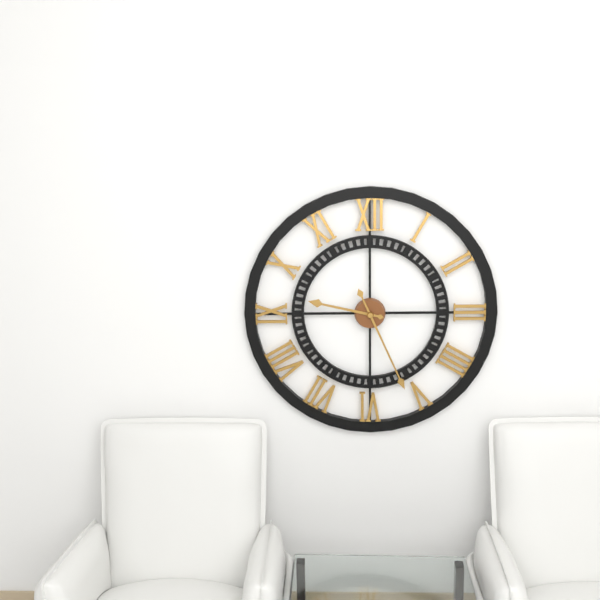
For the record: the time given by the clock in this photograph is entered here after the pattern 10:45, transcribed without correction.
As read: 9:26
